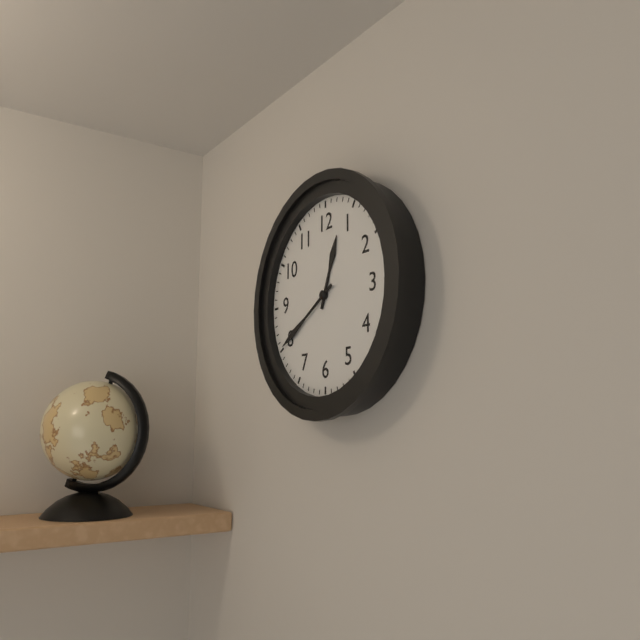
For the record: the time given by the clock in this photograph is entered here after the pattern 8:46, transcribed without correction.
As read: 12:40
